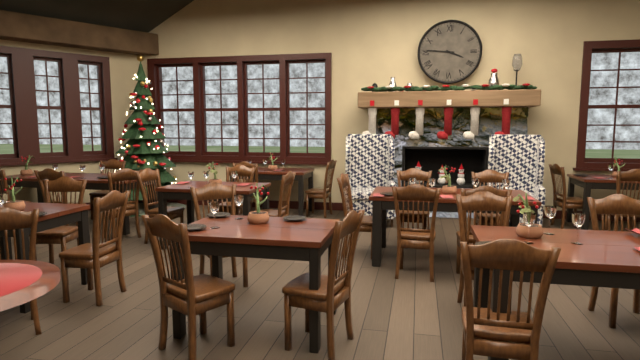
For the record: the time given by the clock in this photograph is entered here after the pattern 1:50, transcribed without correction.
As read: 3:46
